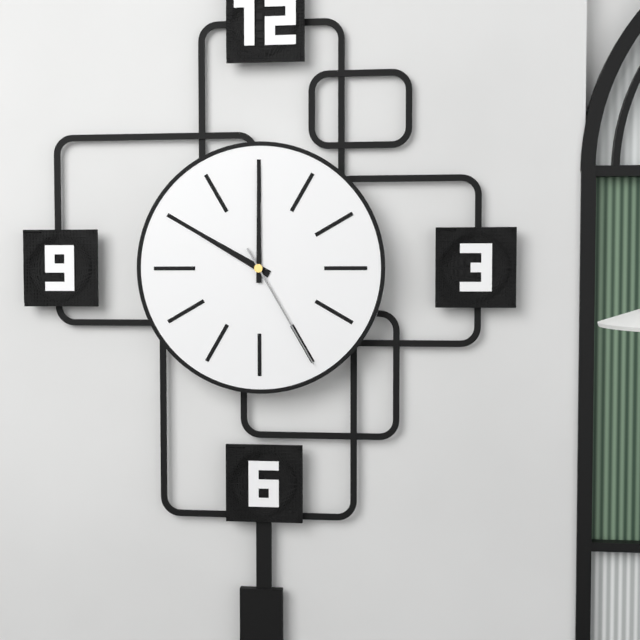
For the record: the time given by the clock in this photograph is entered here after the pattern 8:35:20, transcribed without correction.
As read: 10:00:25
